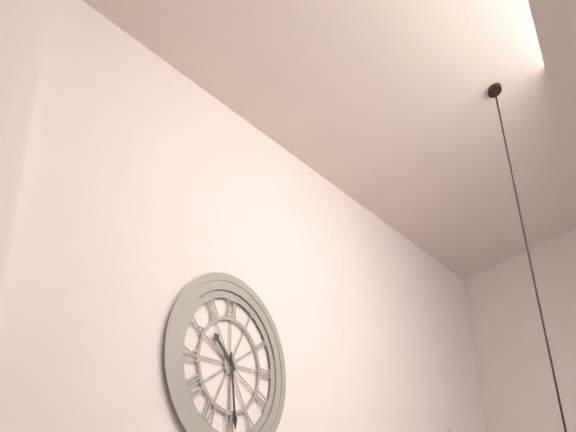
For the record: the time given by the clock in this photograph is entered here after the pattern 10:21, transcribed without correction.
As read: 10:29
